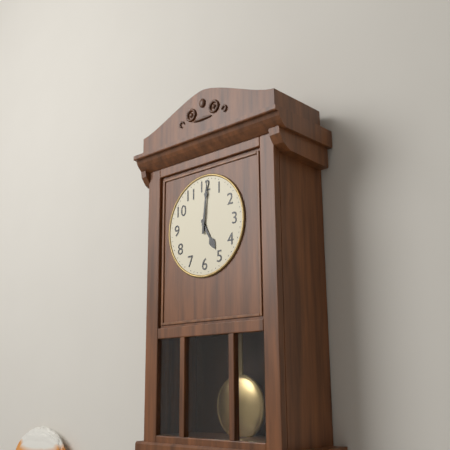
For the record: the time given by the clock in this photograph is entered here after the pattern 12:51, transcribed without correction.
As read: 5:01
